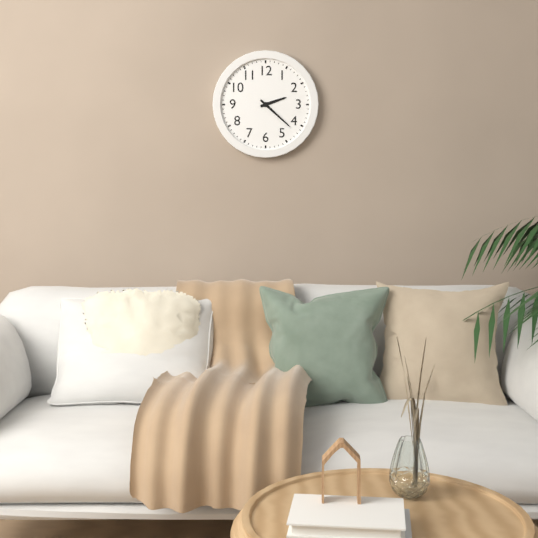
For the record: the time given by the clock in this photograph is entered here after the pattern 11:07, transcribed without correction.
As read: 2:22
